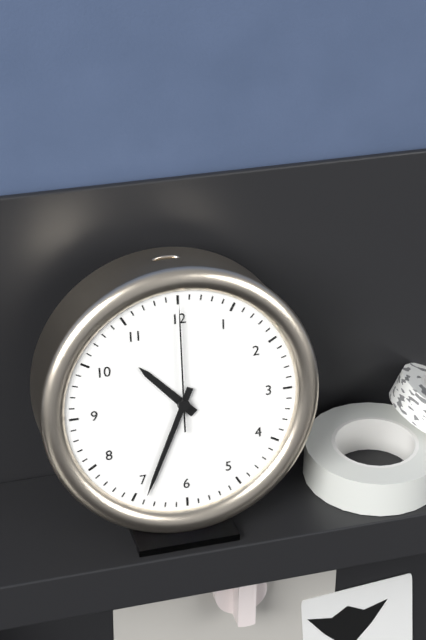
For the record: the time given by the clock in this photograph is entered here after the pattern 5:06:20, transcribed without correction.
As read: 10:34:00
